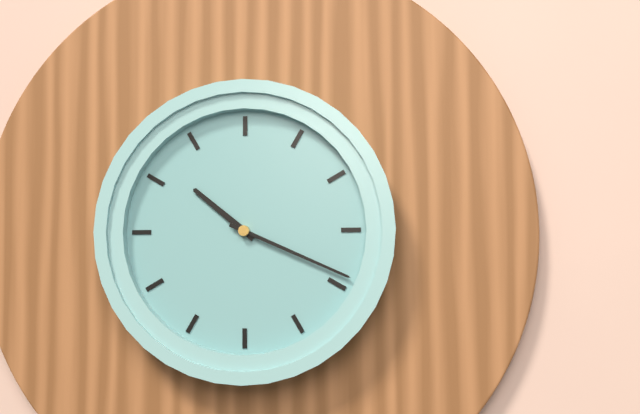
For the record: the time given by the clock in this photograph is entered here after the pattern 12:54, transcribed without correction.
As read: 10:19
